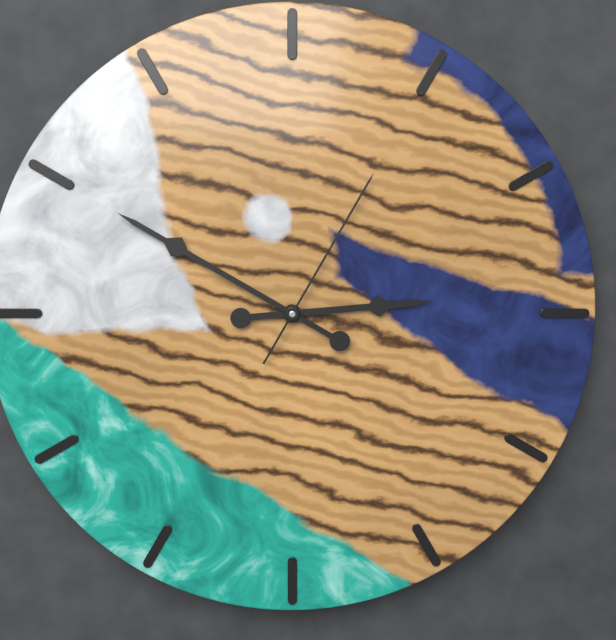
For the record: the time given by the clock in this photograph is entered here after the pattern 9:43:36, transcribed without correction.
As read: 2:50:05
